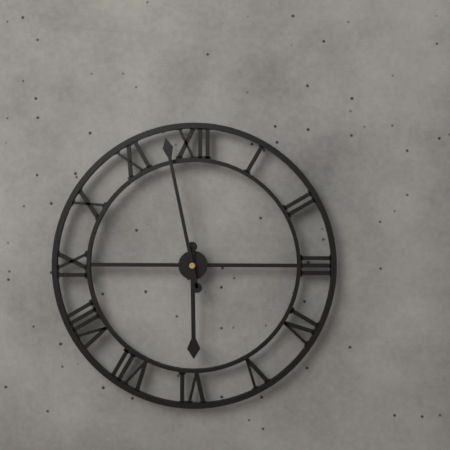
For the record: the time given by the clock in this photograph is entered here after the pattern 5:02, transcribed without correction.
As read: 5:58
